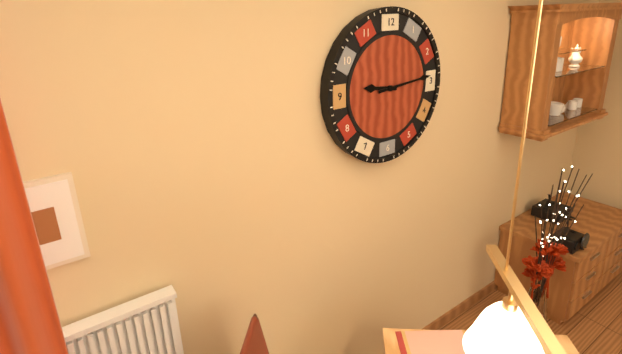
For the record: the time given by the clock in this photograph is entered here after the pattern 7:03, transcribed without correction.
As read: 9:14
